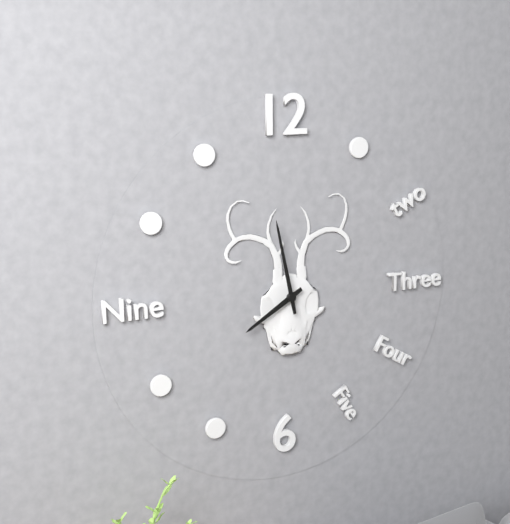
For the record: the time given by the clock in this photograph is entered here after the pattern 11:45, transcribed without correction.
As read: 7:58
